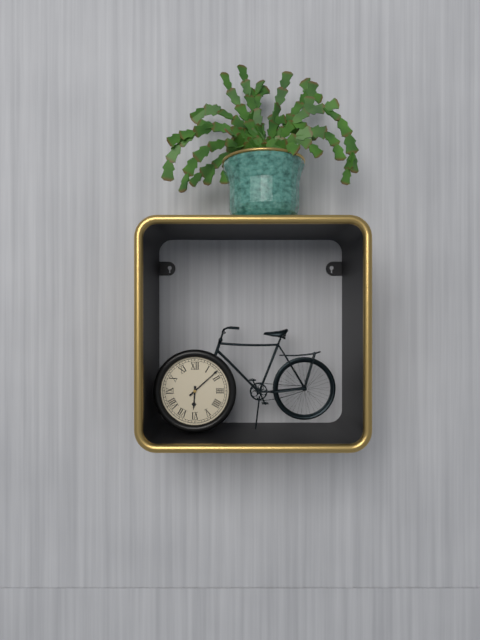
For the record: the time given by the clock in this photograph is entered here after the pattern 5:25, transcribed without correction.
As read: 6:08
